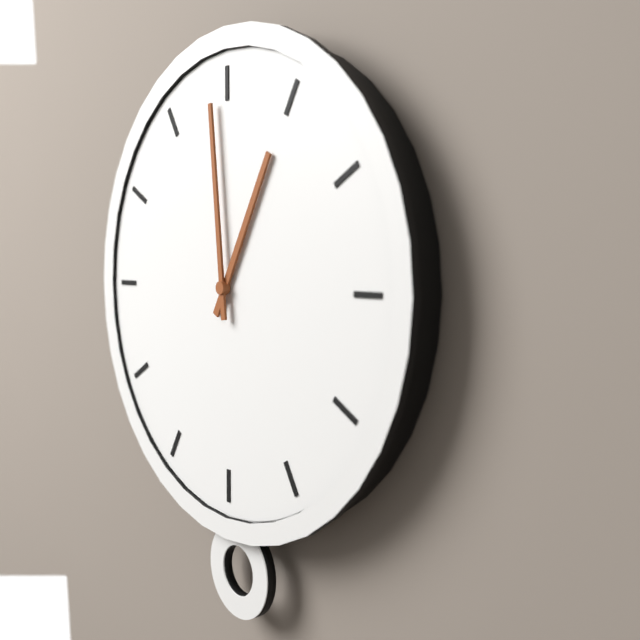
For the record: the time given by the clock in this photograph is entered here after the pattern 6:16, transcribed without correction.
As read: 12:59
